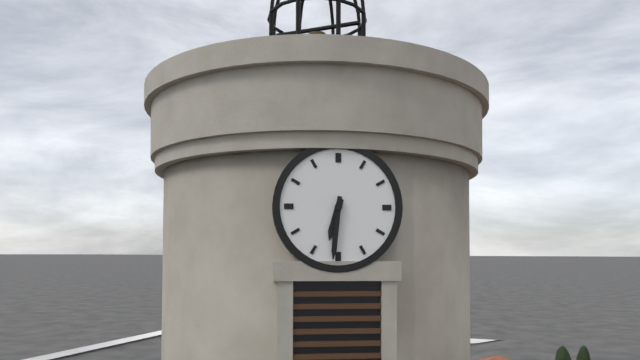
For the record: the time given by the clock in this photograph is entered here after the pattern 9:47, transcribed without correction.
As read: 6:31
